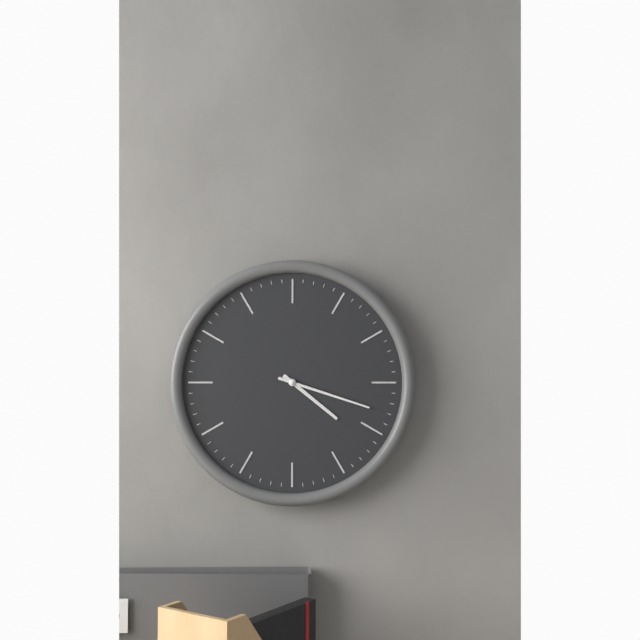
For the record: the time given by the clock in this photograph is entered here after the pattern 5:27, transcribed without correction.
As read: 4:18
